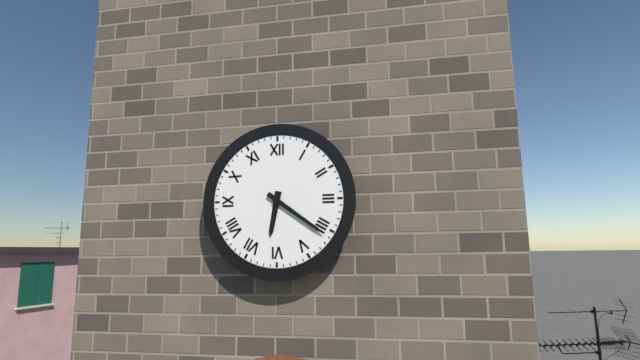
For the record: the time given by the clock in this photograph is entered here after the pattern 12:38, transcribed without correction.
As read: 6:21
